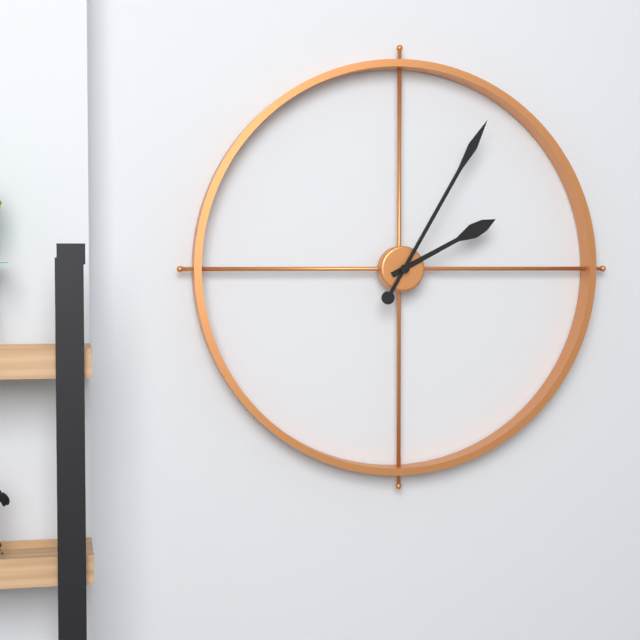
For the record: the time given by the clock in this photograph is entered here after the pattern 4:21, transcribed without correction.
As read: 2:05
